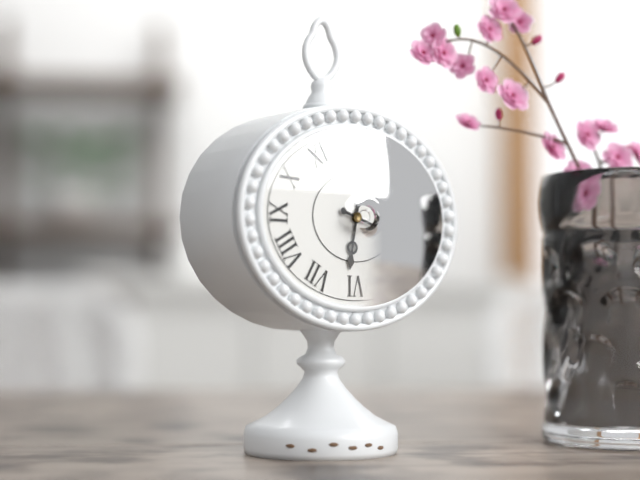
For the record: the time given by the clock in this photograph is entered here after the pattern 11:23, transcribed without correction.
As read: 6:18
